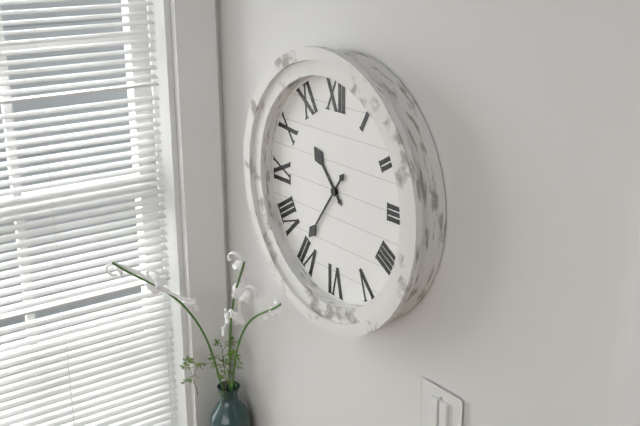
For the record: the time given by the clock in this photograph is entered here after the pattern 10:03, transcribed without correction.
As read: 10:36
